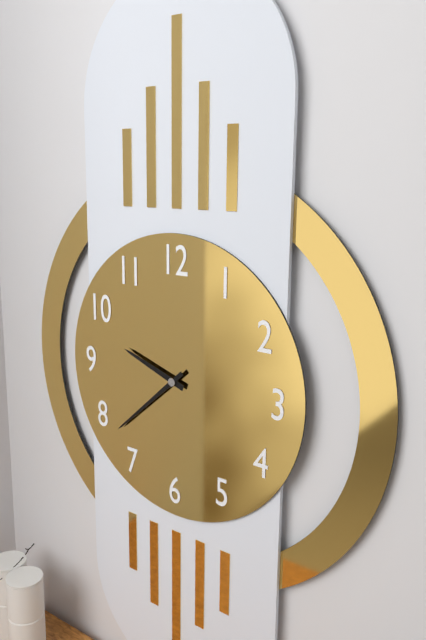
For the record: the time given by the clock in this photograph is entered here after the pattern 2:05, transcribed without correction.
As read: 9:38
